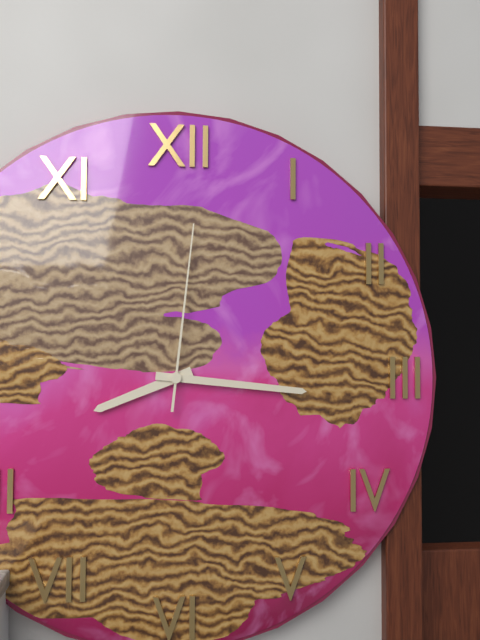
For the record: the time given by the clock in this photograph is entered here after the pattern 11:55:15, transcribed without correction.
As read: 8:16:01
